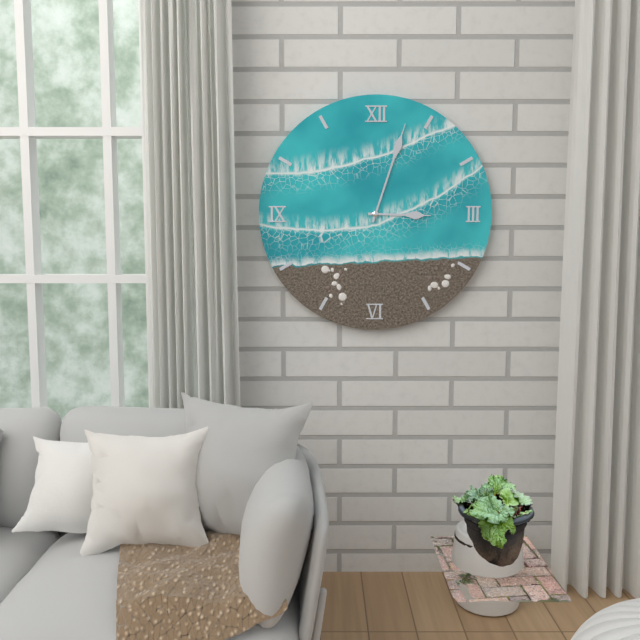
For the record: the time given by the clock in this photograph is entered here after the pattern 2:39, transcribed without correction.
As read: 3:03
